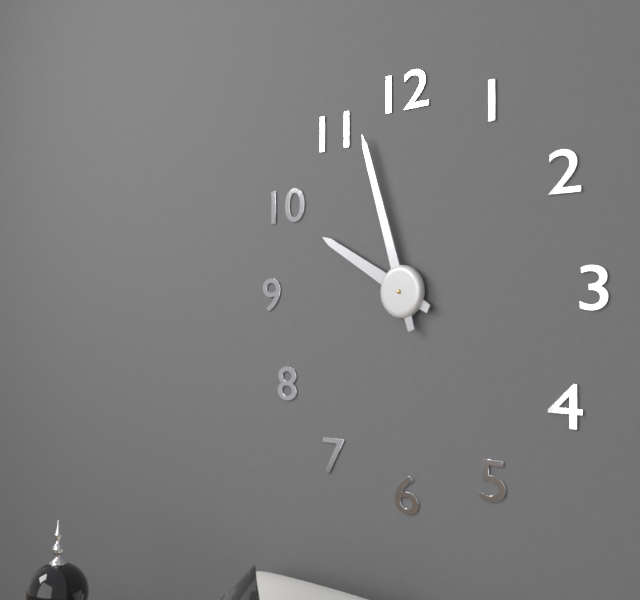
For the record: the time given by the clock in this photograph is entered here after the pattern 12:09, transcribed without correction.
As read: 9:57
